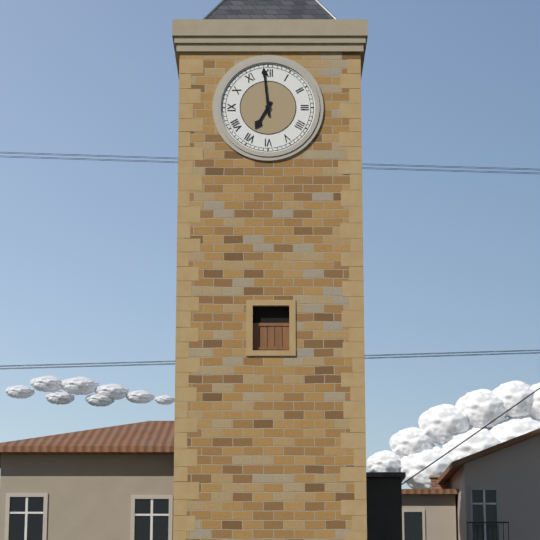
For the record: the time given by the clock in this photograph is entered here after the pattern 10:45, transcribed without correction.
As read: 6:59
